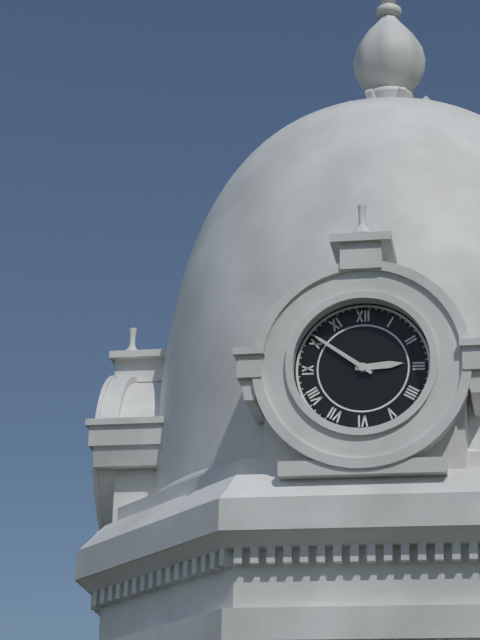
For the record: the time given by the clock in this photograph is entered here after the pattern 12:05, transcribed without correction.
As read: 2:51
